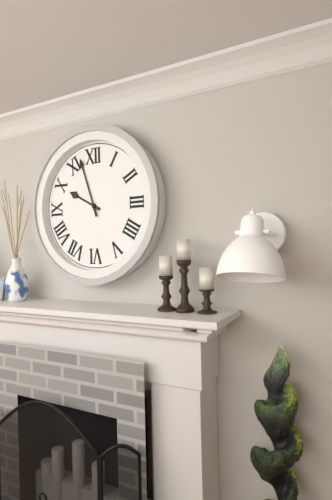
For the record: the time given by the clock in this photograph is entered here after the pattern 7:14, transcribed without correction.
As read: 9:57
